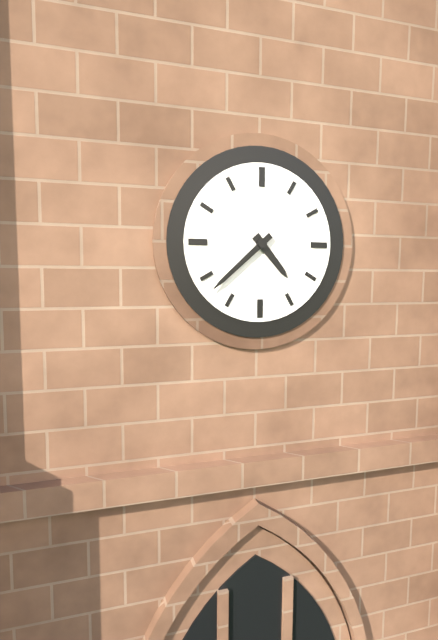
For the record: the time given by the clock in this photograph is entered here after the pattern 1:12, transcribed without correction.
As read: 4:38
